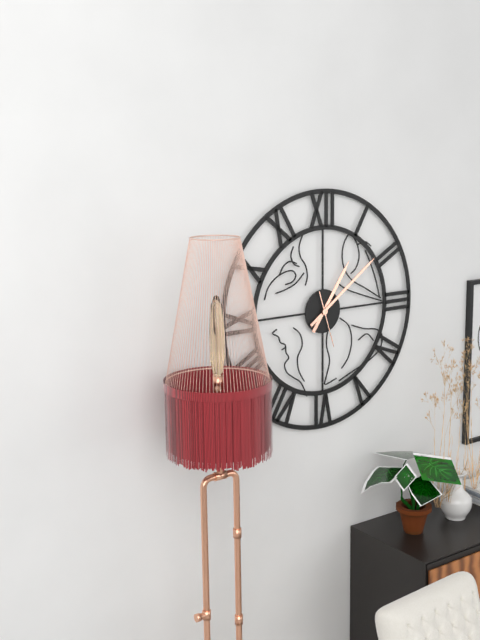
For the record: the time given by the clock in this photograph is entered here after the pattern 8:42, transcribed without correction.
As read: 1:09
